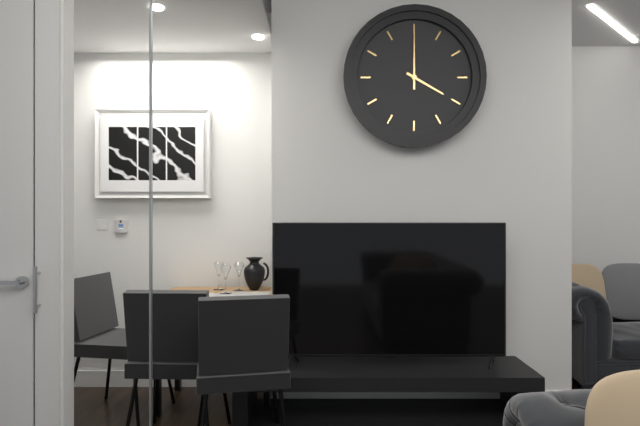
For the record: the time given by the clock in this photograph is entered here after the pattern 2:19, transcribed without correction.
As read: 4:00
